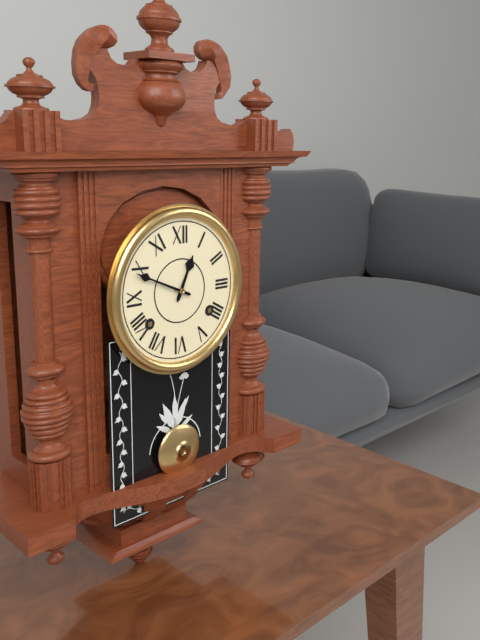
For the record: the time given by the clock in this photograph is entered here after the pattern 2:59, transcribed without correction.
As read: 12:49
